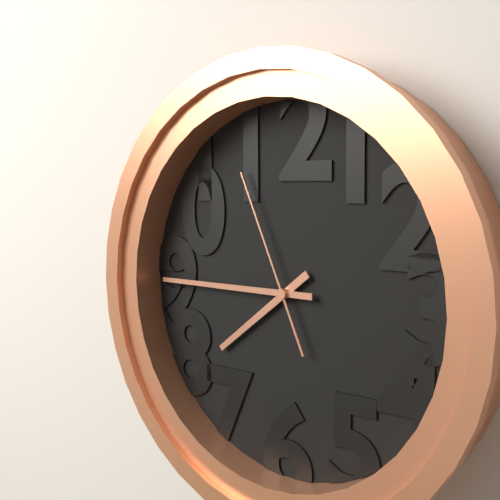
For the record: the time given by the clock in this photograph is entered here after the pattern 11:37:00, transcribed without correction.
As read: 7:45:56
